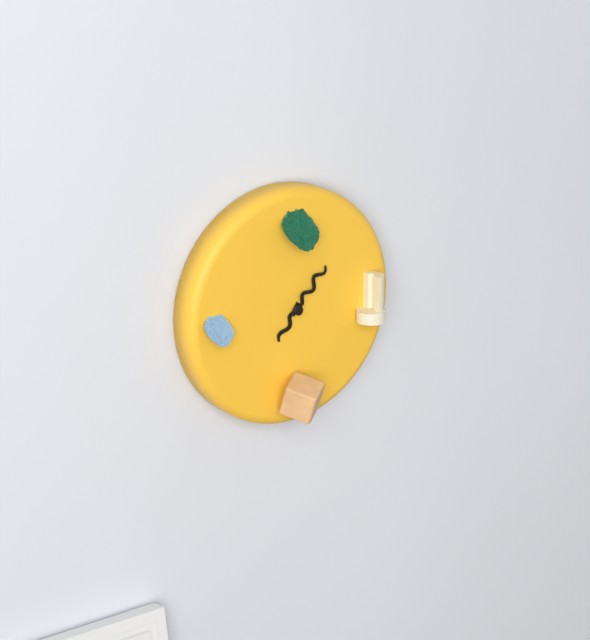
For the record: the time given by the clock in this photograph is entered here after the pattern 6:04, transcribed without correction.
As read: 7:07
